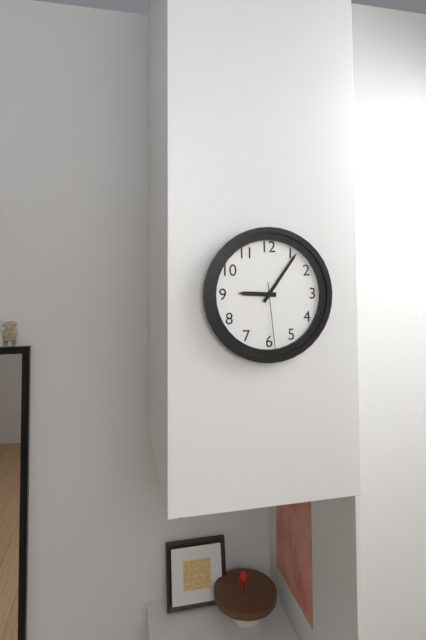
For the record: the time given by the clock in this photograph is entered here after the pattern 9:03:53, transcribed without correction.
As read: 9:06:29
